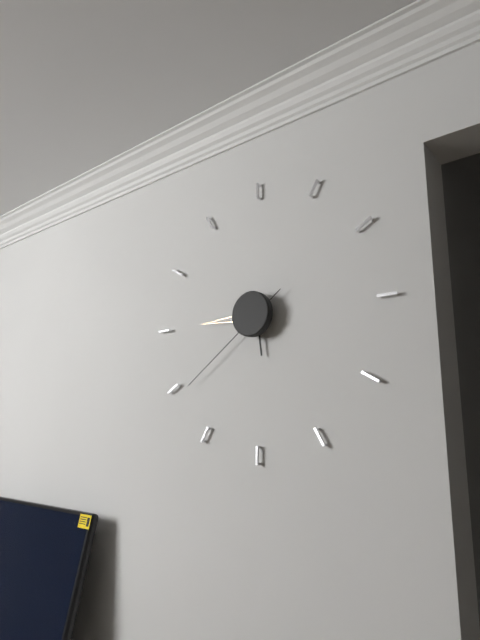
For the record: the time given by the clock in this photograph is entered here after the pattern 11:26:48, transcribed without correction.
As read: 5:45:39
